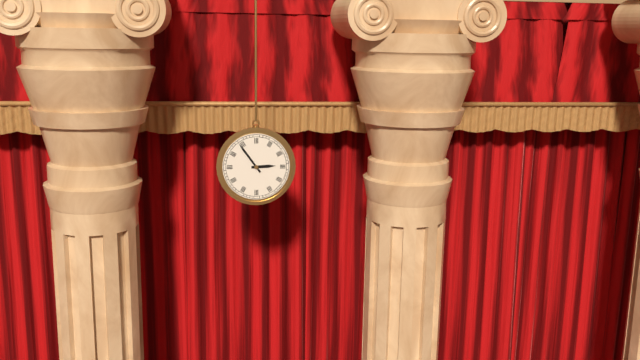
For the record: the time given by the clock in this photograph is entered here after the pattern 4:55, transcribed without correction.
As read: 2:54
